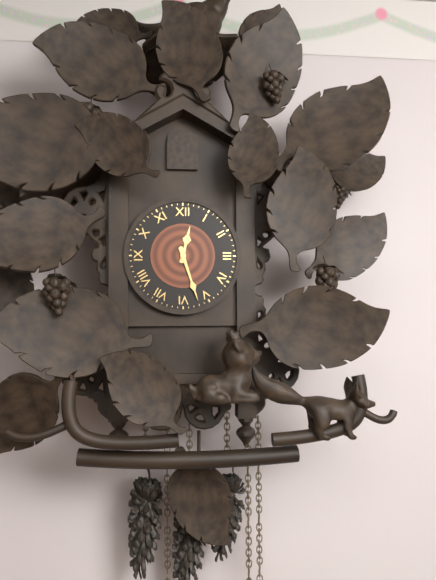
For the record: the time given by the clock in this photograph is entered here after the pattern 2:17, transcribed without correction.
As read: 12:27
